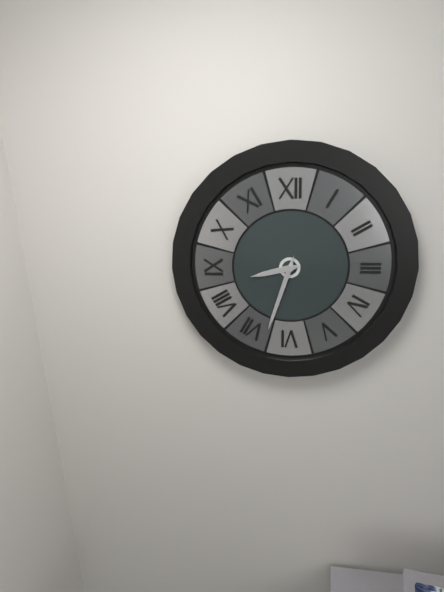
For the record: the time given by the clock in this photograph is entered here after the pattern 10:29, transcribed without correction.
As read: 8:33
